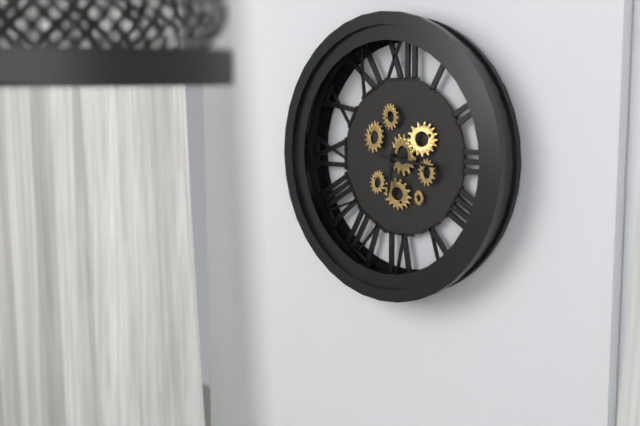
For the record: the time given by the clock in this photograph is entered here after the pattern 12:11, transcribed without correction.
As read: 6:16
